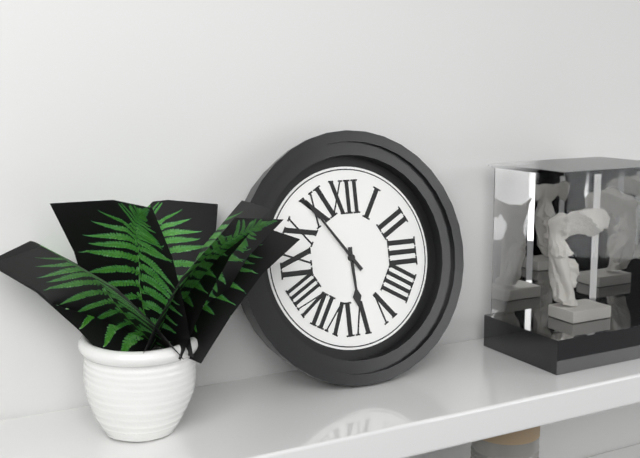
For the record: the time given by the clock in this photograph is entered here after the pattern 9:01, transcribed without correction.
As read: 5:54
